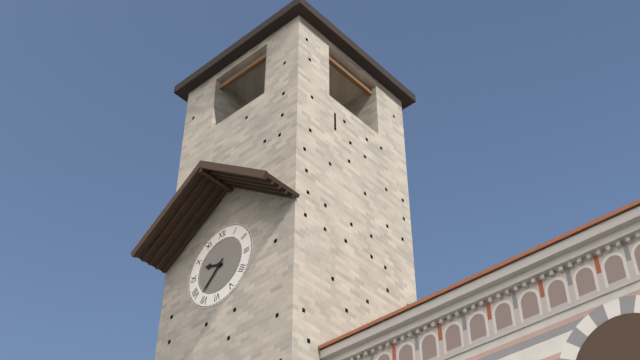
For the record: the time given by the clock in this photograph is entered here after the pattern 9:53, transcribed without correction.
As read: 9:37
